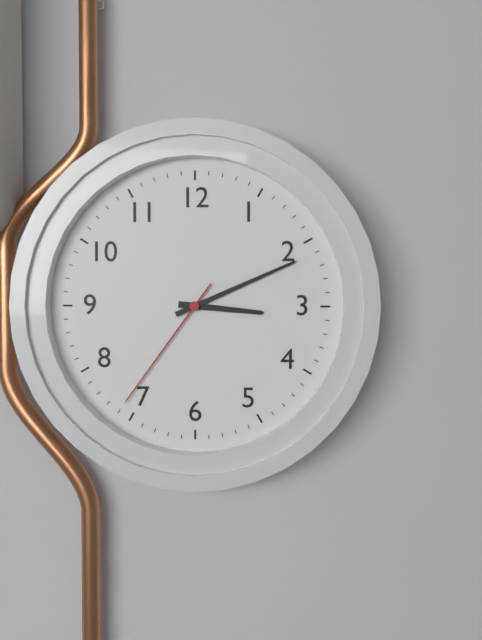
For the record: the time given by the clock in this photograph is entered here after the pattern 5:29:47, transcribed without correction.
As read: 3:11:36
